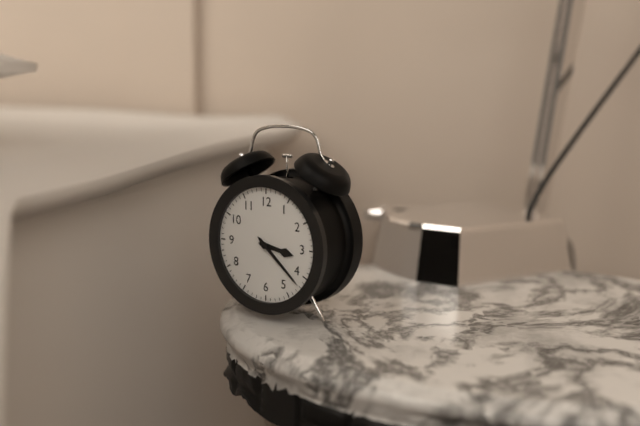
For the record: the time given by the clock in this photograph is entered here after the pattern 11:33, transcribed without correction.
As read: 3:22
